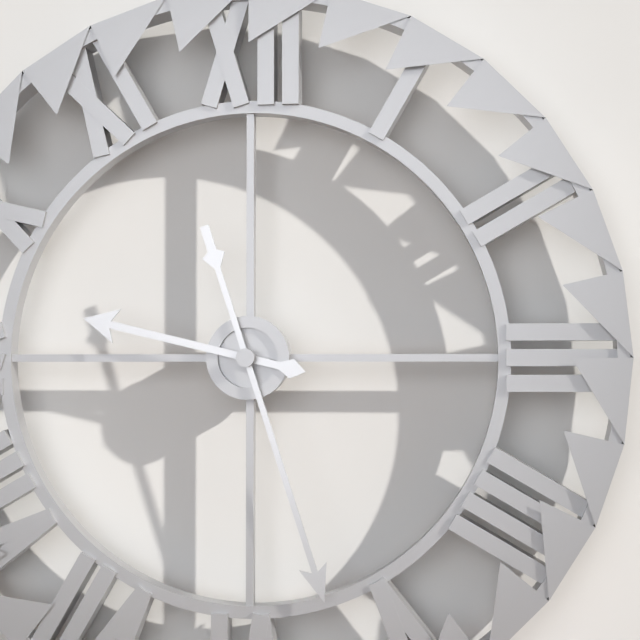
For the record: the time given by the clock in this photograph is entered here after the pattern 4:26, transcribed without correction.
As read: 9:27
